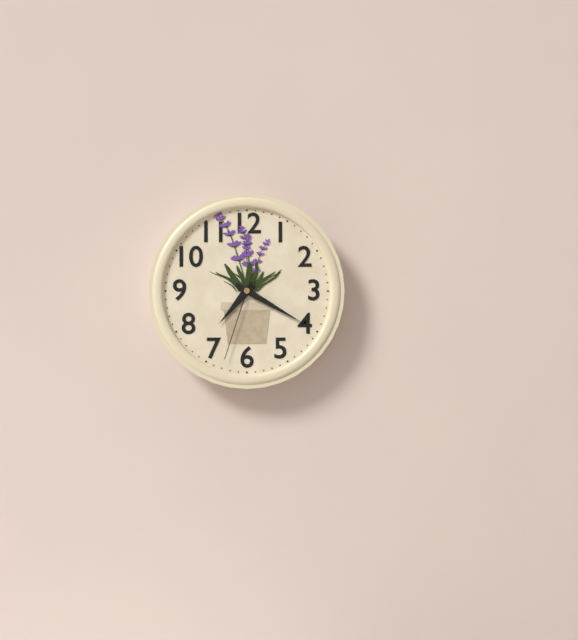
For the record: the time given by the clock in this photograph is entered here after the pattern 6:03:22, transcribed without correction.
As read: 7:20:33
